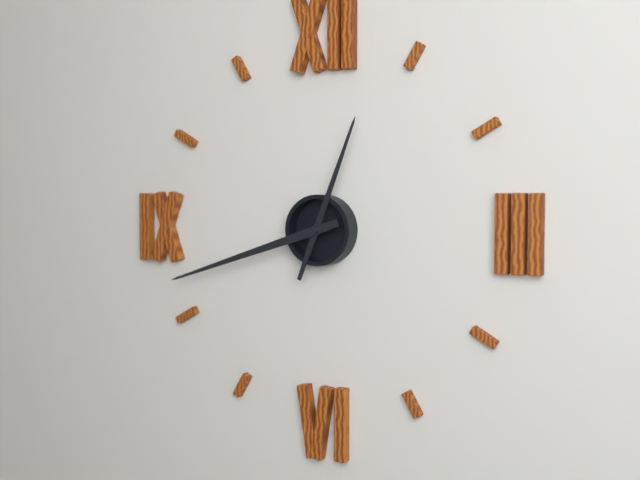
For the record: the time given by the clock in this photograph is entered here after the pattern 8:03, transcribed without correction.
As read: 12:42
